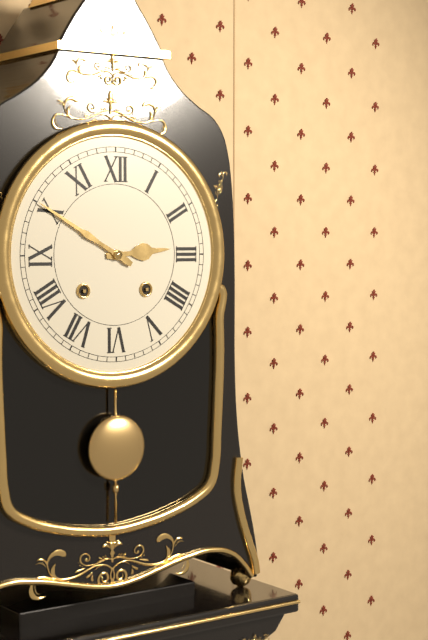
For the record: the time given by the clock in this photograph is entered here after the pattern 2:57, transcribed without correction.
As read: 2:50
